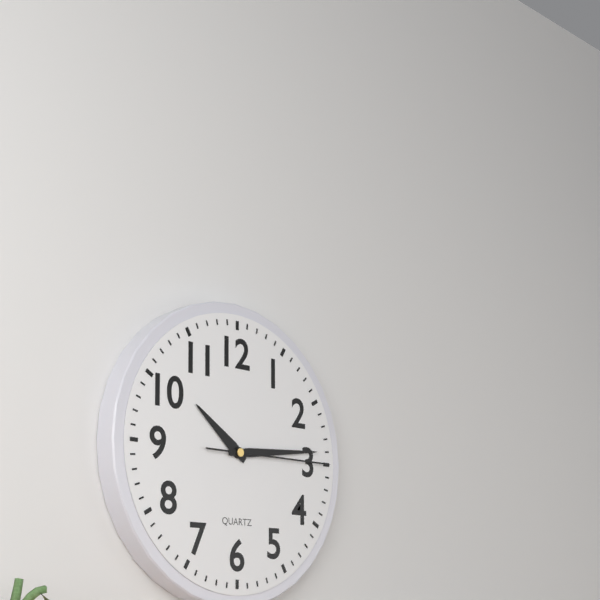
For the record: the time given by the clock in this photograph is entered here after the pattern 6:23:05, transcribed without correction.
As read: 10:14:15
